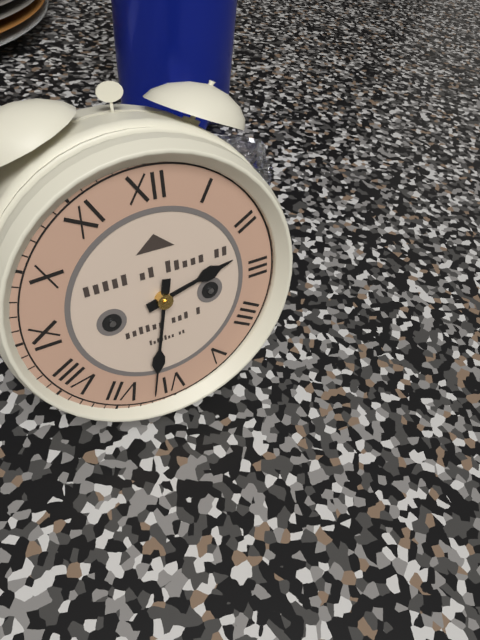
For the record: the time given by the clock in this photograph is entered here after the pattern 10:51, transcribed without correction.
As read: 2:32
